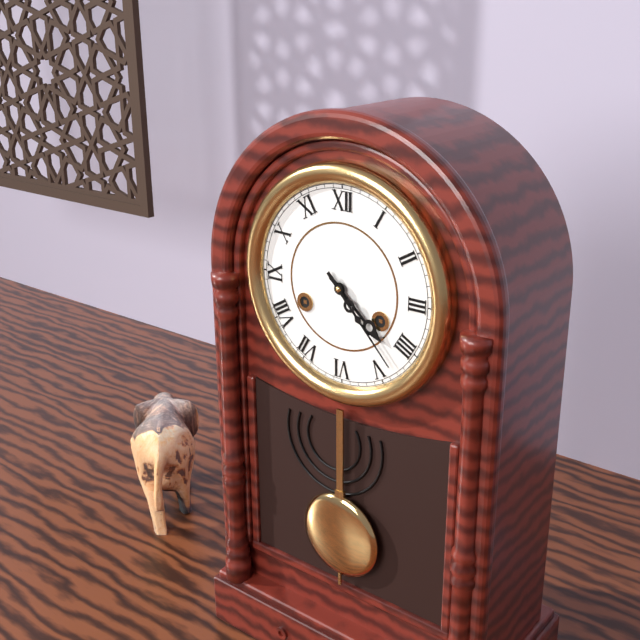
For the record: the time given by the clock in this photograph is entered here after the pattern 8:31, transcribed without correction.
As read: 4:23
